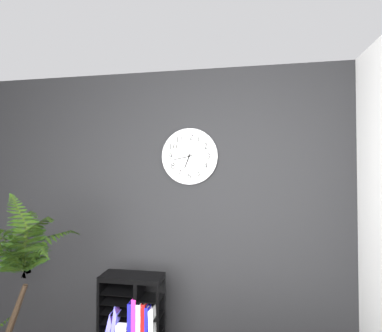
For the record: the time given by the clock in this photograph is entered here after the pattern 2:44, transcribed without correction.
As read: 6:43
